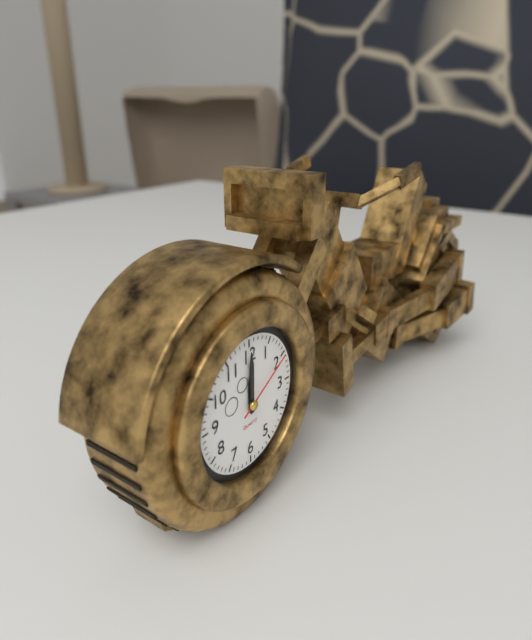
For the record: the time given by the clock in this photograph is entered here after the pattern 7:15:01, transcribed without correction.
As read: 12:00:10
